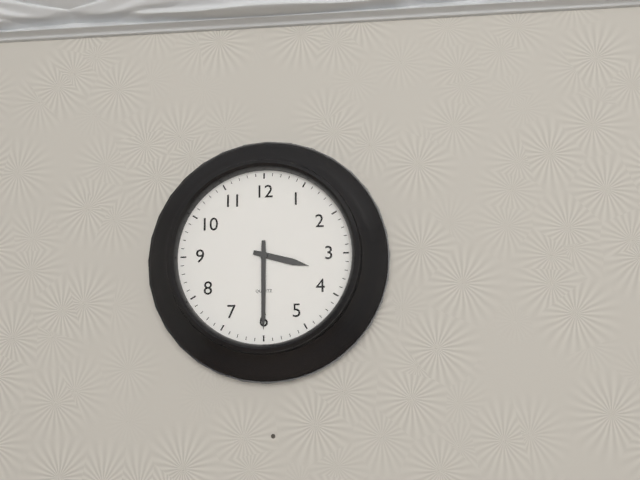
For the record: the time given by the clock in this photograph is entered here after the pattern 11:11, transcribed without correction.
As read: 3:30
